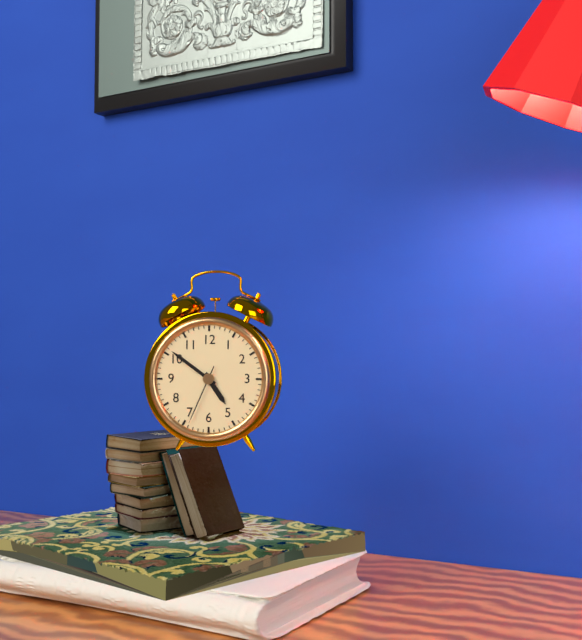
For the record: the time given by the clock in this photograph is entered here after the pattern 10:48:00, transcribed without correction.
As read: 4:51:34
